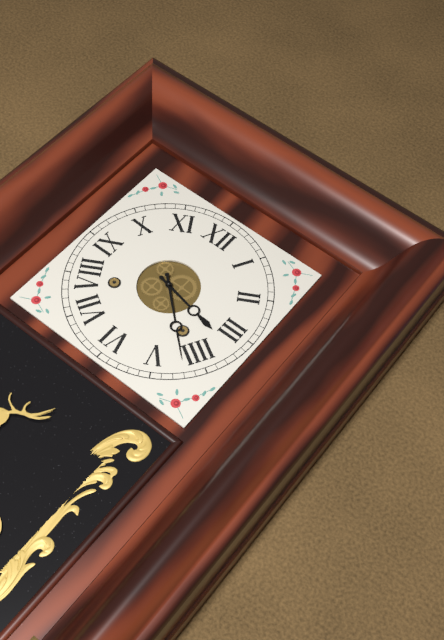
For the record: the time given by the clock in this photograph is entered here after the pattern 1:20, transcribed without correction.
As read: 3:22
